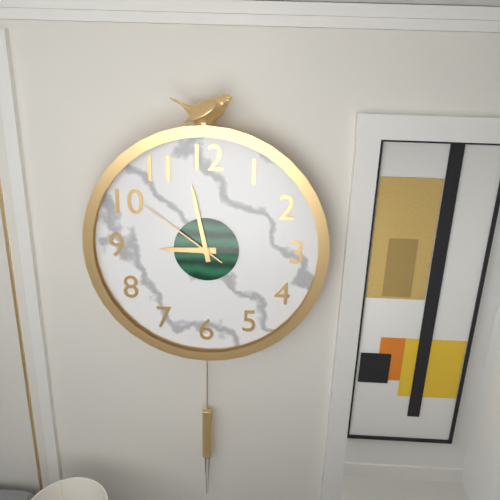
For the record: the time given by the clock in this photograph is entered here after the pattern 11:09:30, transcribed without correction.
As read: 8:58:51
